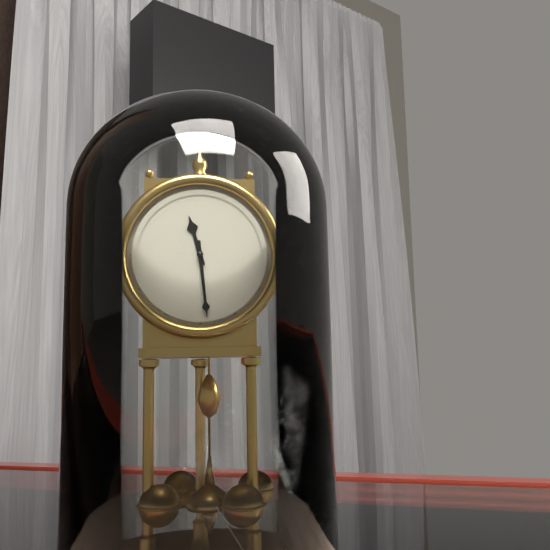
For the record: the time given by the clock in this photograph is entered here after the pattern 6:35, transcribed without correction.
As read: 11:29
